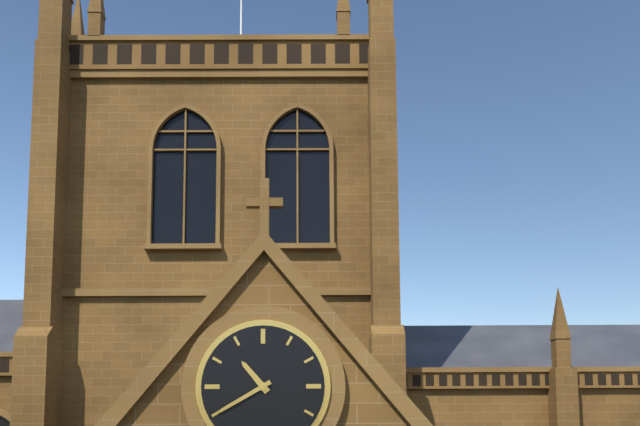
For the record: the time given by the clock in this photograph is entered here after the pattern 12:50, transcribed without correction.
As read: 10:40
